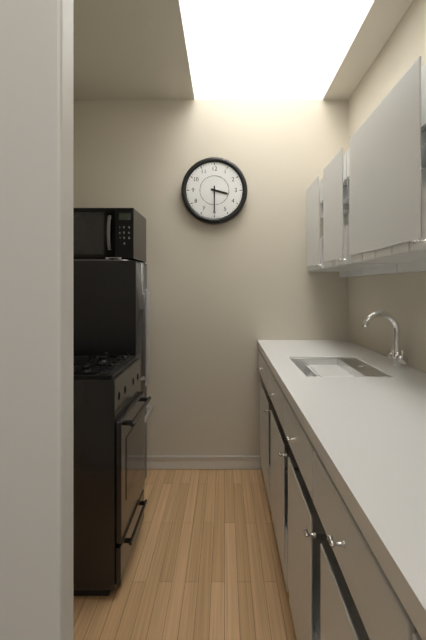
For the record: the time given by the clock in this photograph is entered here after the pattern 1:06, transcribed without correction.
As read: 3:30
